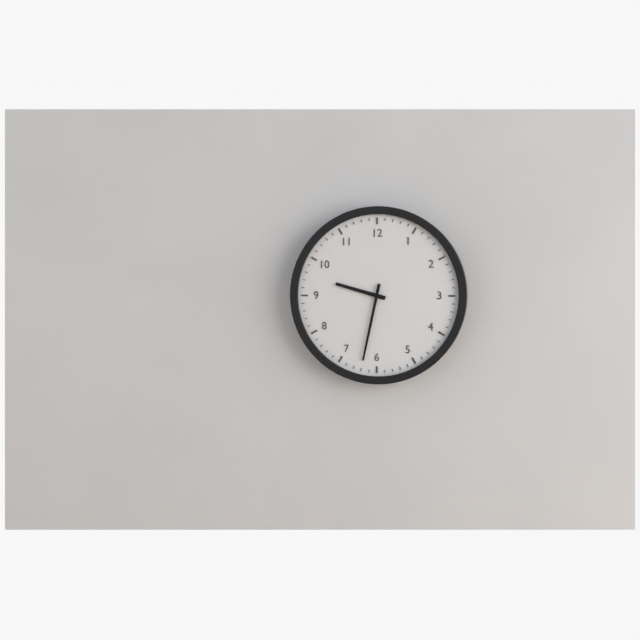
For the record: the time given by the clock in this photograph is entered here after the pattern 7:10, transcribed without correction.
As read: 9:32
